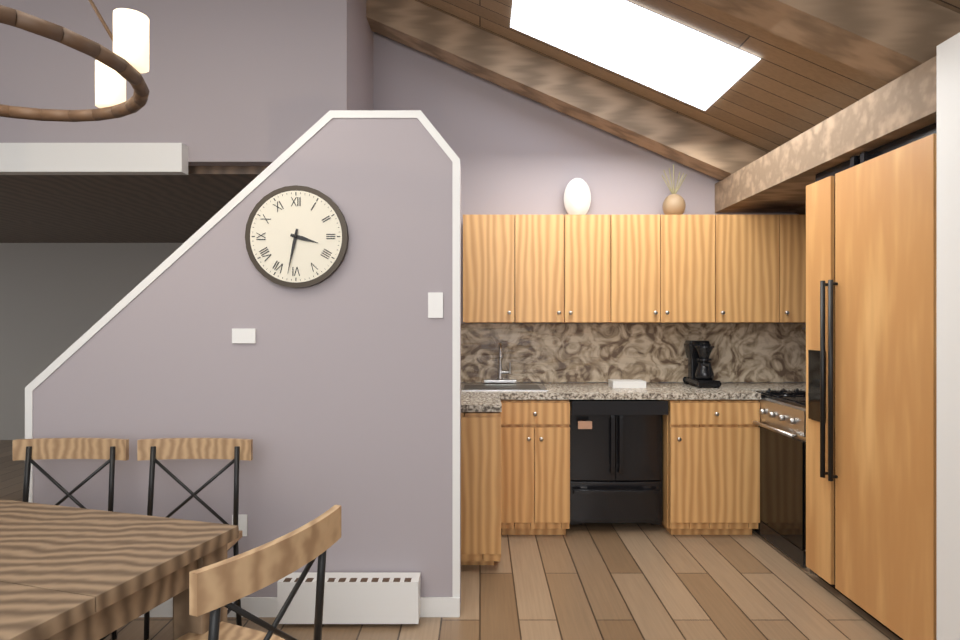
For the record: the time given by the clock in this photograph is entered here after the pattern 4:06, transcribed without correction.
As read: 3:32
